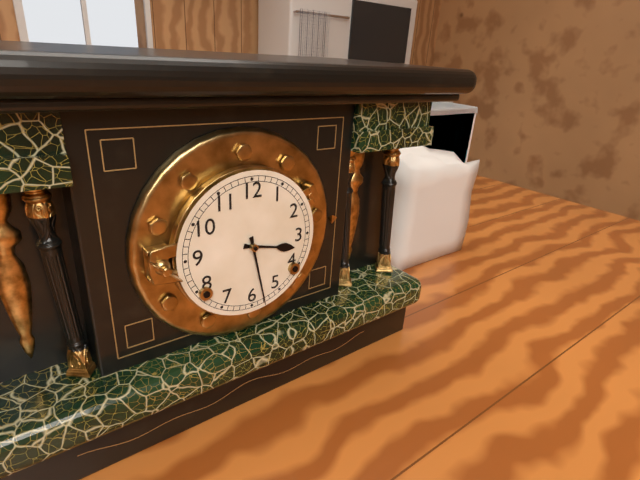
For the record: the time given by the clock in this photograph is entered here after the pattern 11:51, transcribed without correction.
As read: 3:28
